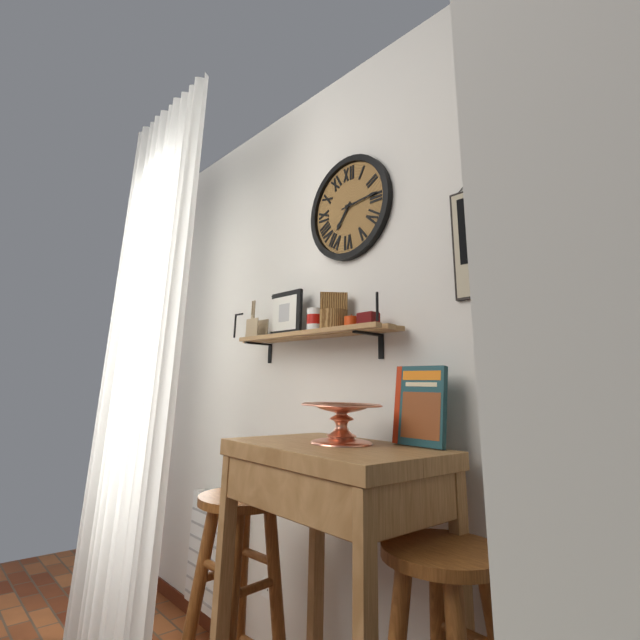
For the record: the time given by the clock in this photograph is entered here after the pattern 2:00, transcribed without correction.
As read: 7:14
